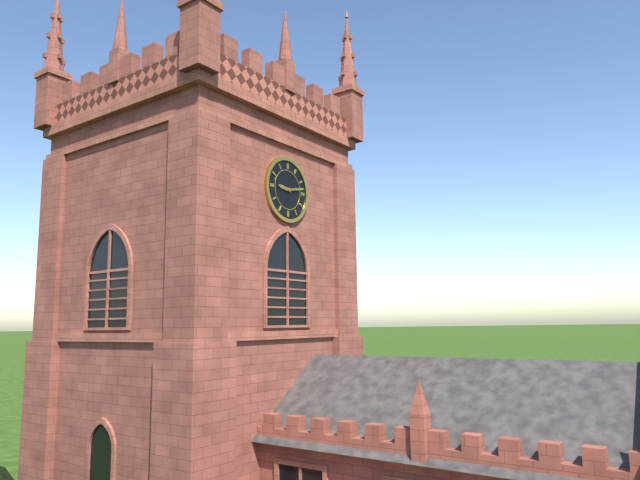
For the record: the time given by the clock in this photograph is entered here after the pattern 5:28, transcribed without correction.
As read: 9:13
